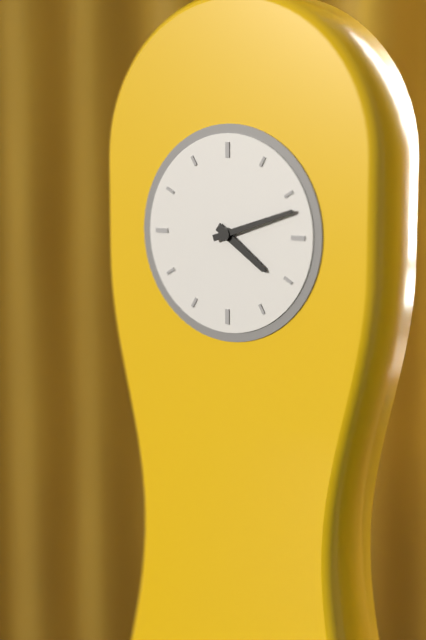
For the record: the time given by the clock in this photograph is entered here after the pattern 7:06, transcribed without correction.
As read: 4:12
